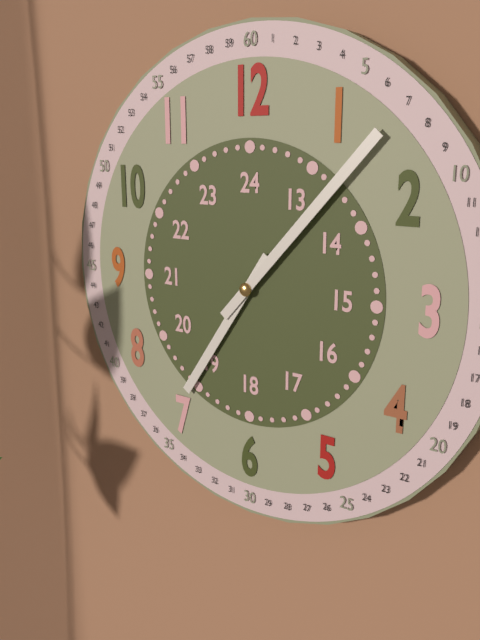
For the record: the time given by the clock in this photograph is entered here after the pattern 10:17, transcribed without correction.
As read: 7:07
